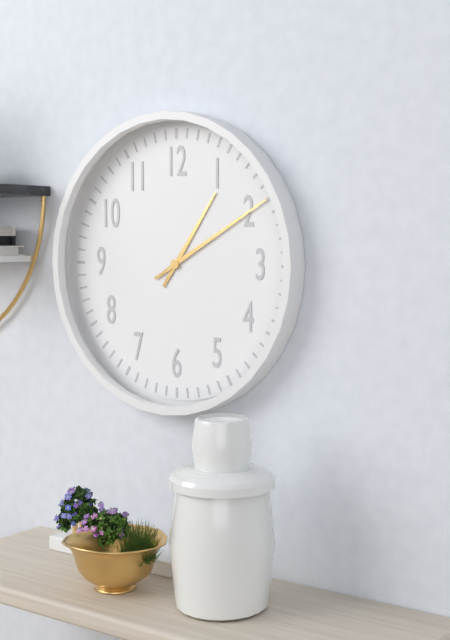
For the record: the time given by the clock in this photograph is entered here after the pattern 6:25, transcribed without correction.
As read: 1:10
